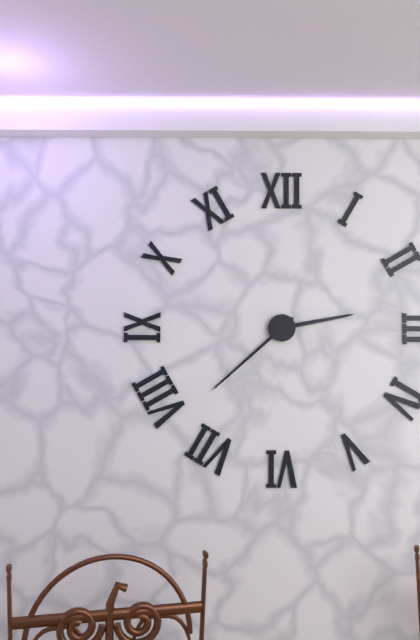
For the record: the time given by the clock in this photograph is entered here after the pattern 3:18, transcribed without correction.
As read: 2:38
